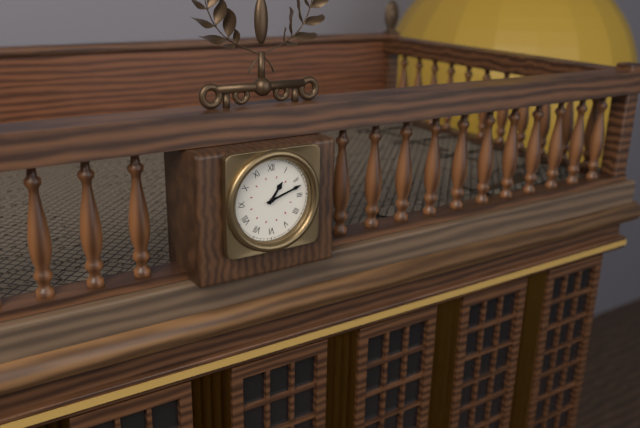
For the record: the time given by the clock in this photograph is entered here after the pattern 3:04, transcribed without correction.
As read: 1:12
